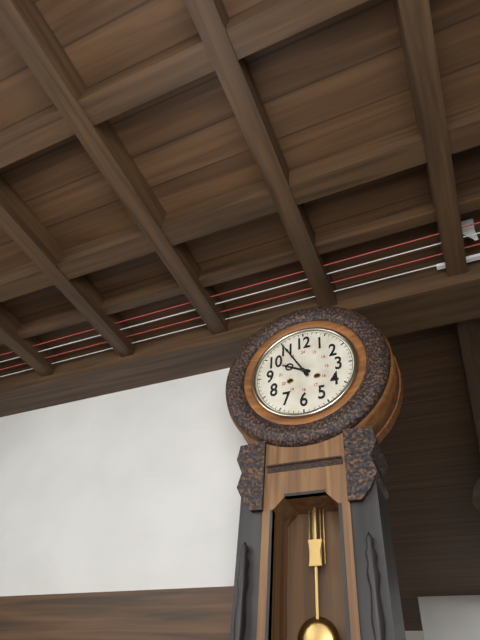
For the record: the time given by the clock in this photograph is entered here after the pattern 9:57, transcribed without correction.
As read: 9:55
